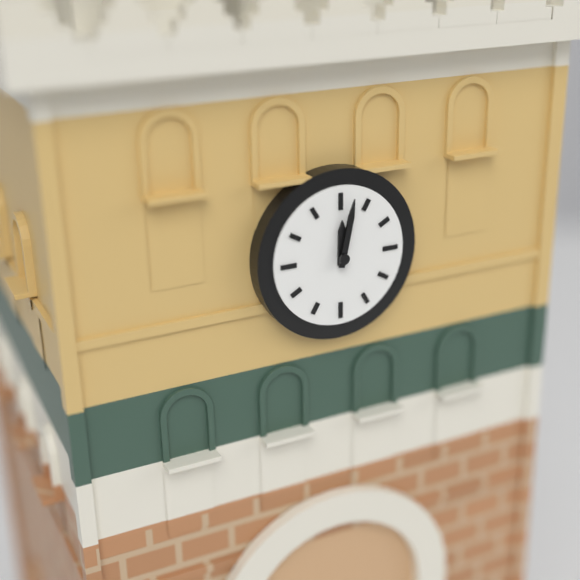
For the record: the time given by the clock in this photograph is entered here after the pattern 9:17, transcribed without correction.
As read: 12:02
